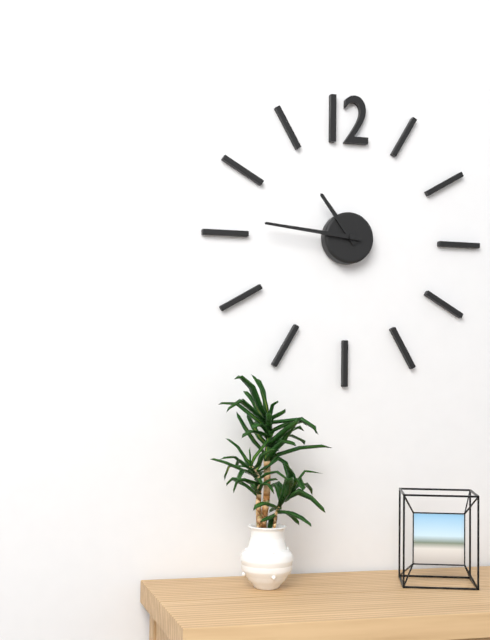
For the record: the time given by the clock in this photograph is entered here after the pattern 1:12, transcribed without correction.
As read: 10:46
